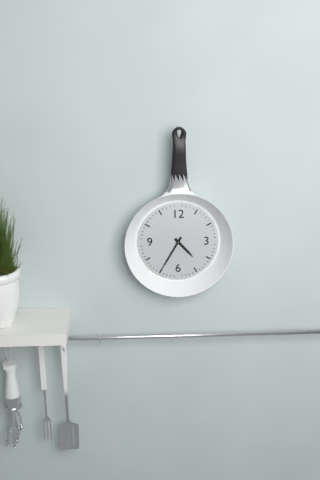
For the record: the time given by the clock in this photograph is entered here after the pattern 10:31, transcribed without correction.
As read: 4:35
